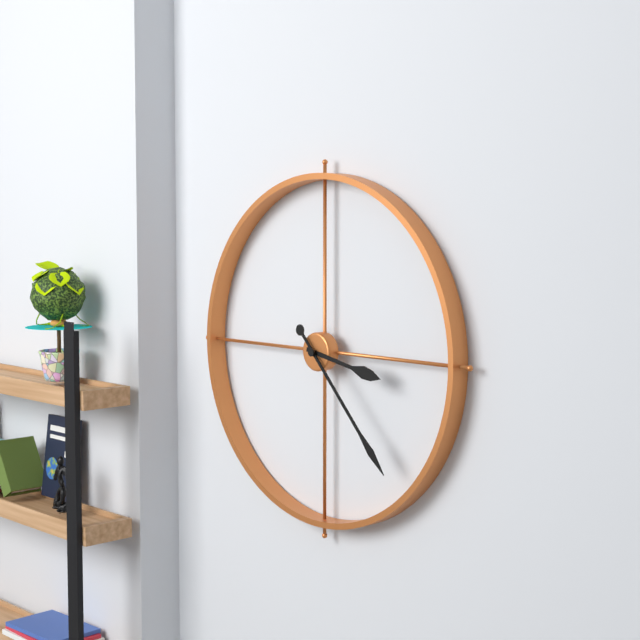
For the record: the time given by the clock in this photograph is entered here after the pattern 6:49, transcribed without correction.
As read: 3:23
